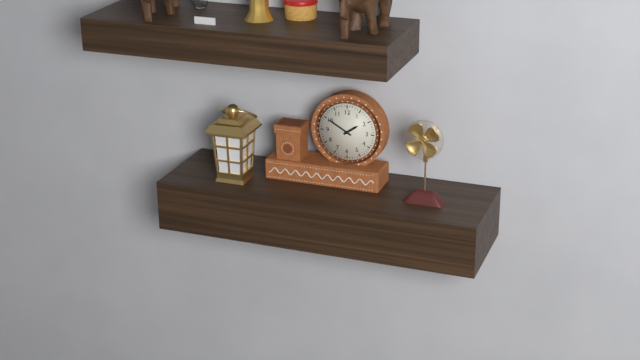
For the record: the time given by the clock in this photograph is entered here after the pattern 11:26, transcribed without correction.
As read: 1:50
